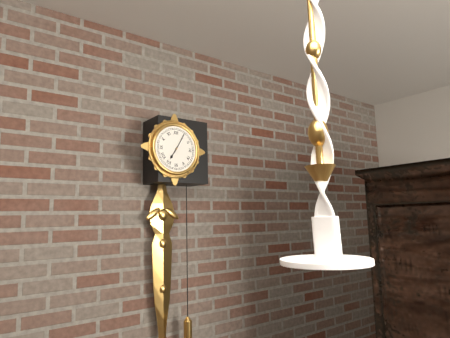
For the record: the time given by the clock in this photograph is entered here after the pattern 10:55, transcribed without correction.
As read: 7:05
